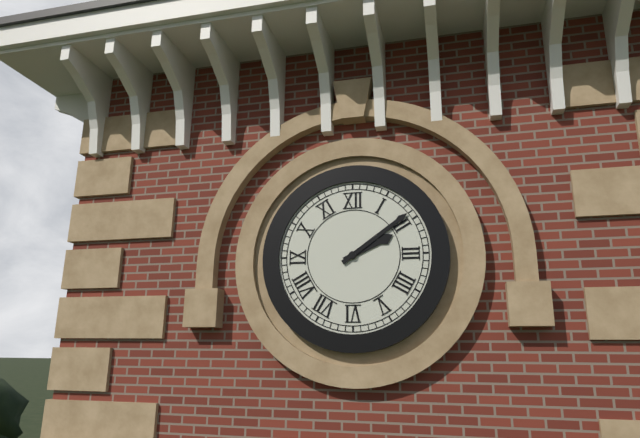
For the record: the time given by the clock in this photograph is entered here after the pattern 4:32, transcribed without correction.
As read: 2:09
